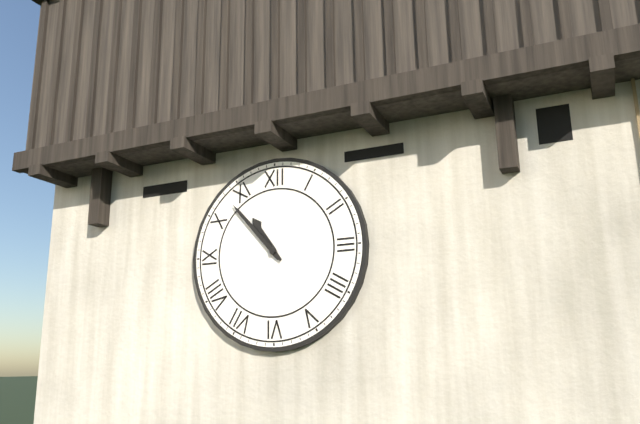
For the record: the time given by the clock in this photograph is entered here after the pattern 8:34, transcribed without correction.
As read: 10:53
